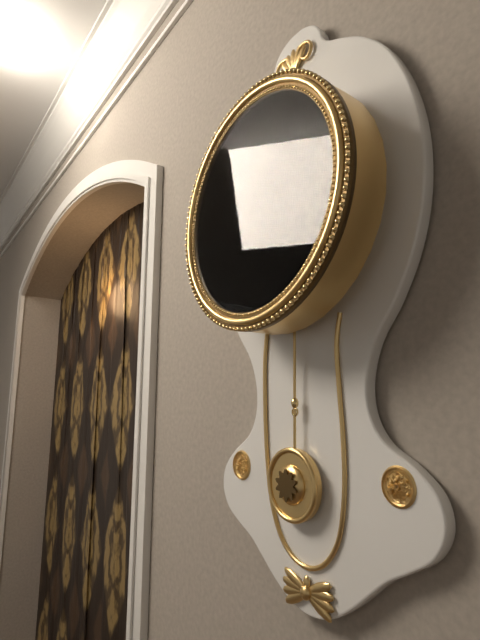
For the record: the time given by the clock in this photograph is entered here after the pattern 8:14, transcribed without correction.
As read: 2:31
